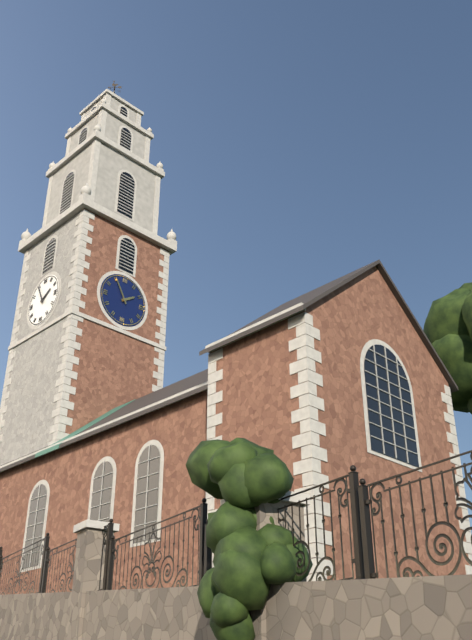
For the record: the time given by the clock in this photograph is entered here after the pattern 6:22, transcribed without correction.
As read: 1:55
